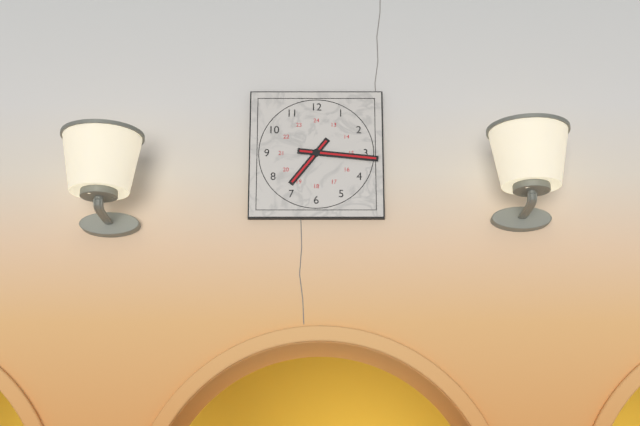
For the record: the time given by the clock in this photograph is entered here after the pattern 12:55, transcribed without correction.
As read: 7:16
